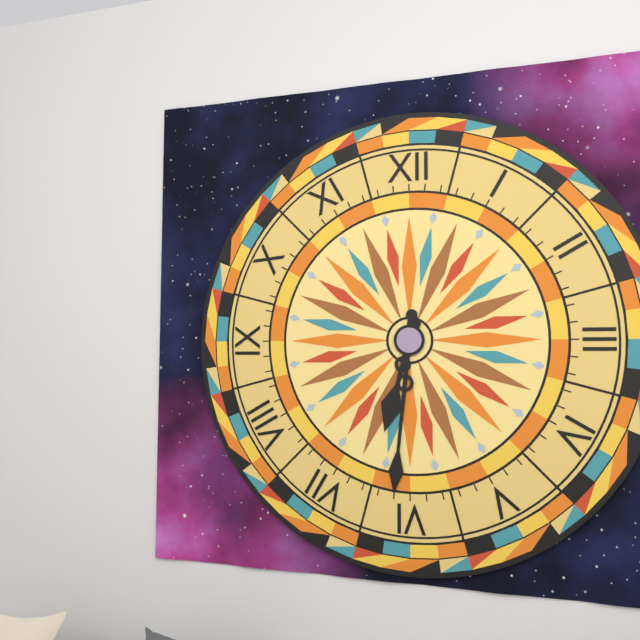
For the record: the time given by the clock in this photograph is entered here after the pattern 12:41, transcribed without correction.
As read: 6:31
